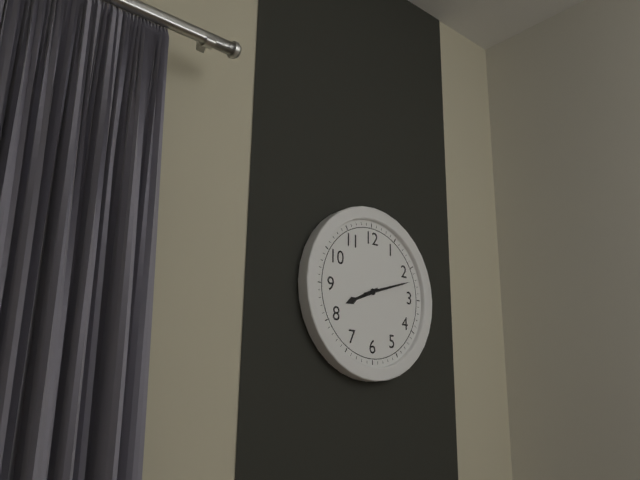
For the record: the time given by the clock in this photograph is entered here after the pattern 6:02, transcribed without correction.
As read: 8:12
